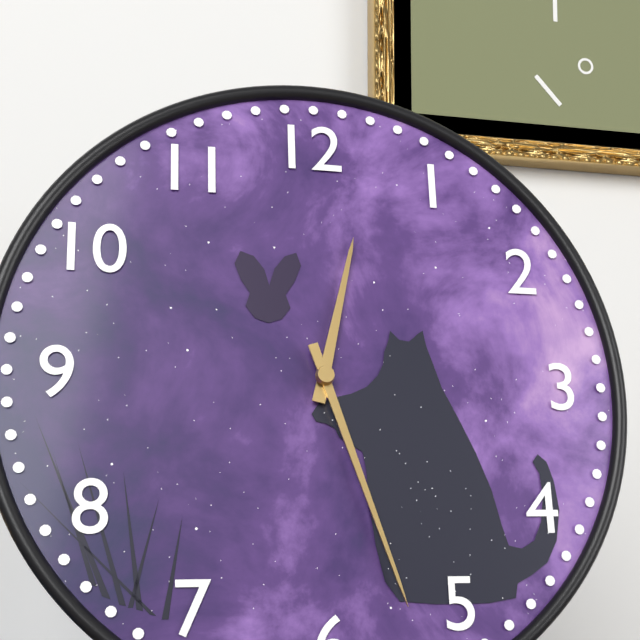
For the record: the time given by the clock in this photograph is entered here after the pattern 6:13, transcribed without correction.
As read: 12:27
